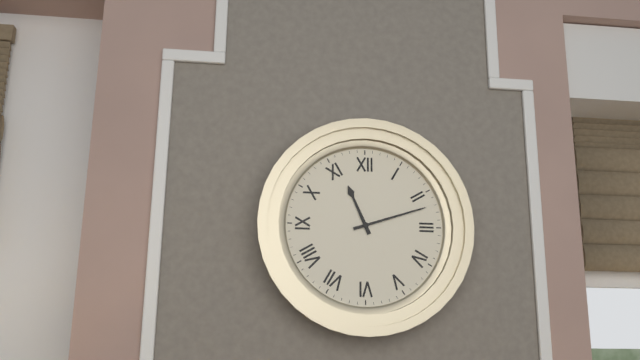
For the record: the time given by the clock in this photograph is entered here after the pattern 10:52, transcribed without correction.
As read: 11:12
